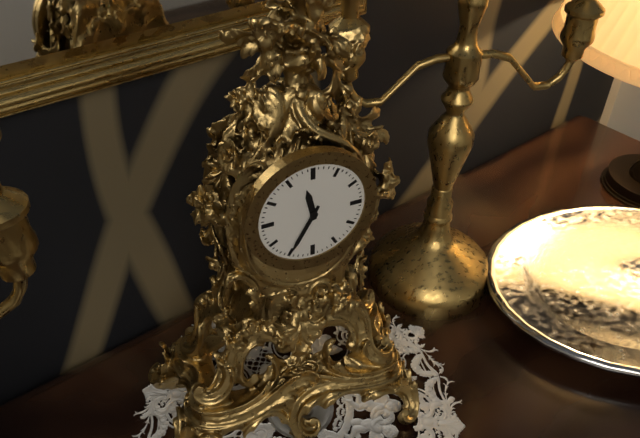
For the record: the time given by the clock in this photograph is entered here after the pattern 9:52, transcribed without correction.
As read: 11:35
